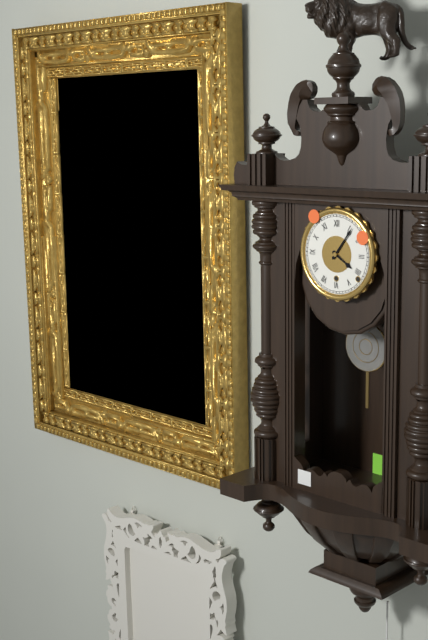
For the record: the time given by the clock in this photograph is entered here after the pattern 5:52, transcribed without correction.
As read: 4:06
